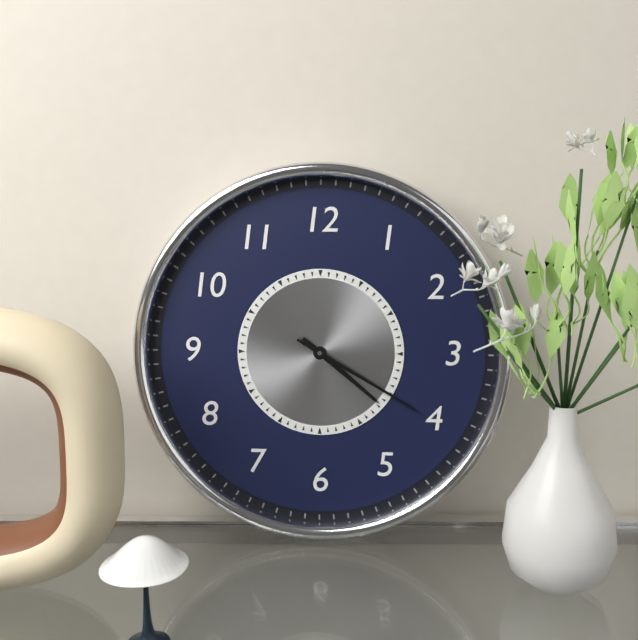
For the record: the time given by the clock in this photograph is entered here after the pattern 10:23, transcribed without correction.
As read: 4:20
